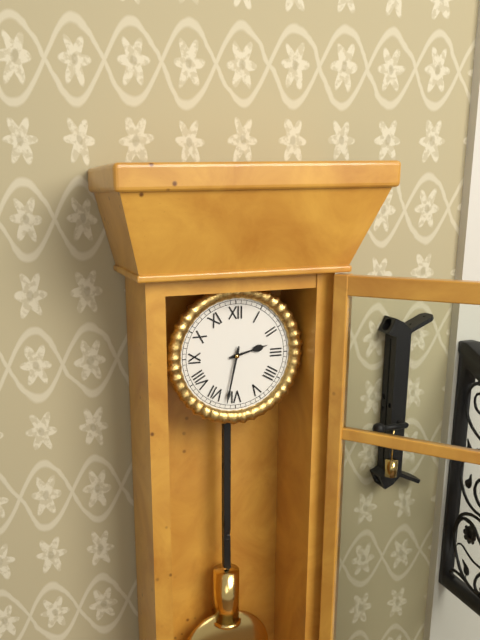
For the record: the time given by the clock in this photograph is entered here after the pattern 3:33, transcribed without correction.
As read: 2:32
